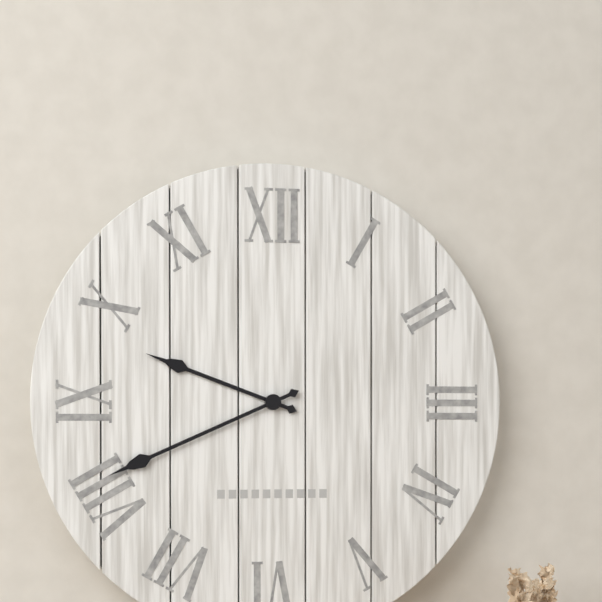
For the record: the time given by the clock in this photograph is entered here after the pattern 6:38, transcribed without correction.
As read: 9:41
